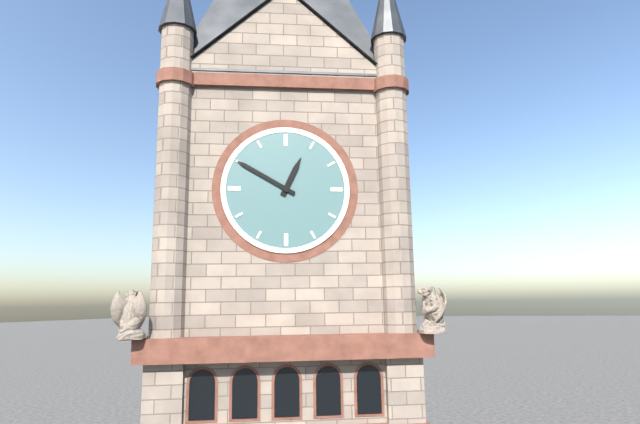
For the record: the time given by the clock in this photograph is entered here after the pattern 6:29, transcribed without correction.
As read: 12:50
